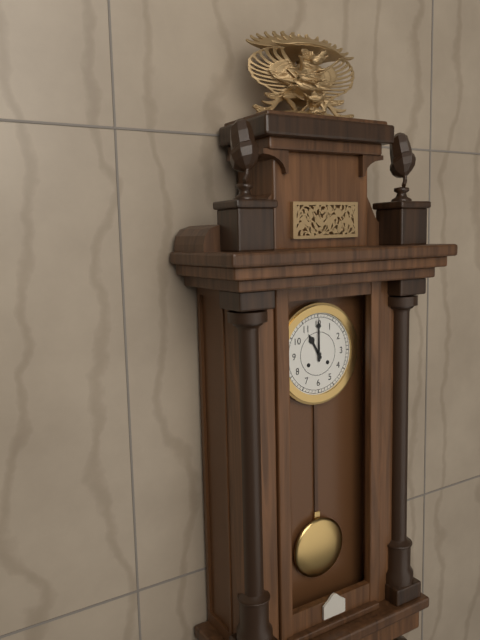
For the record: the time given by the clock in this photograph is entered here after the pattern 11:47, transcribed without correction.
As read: 11:00
